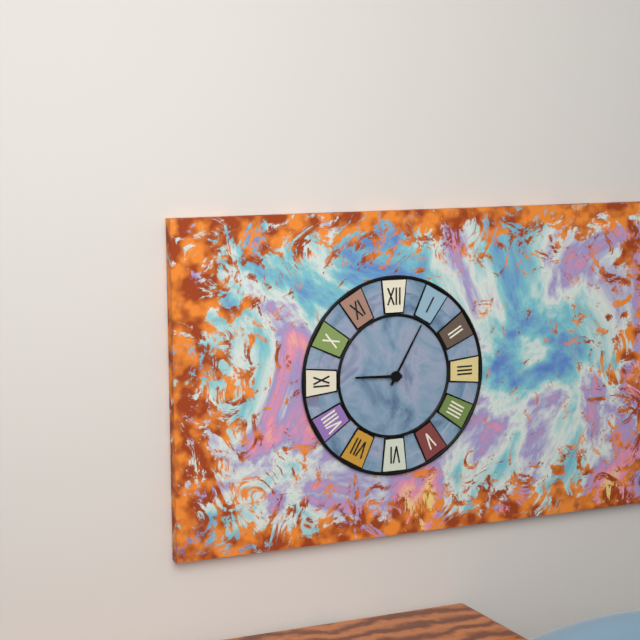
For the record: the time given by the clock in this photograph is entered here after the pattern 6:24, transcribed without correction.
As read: 9:05
